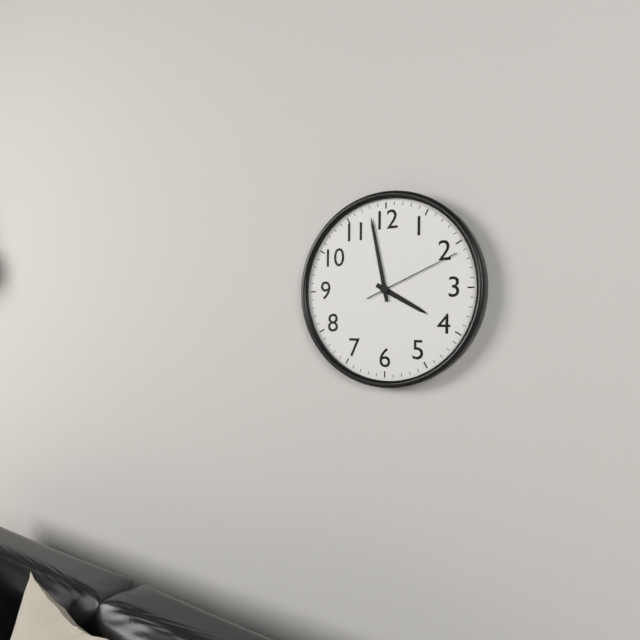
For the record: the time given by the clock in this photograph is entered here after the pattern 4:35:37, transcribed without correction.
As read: 3:58:11
